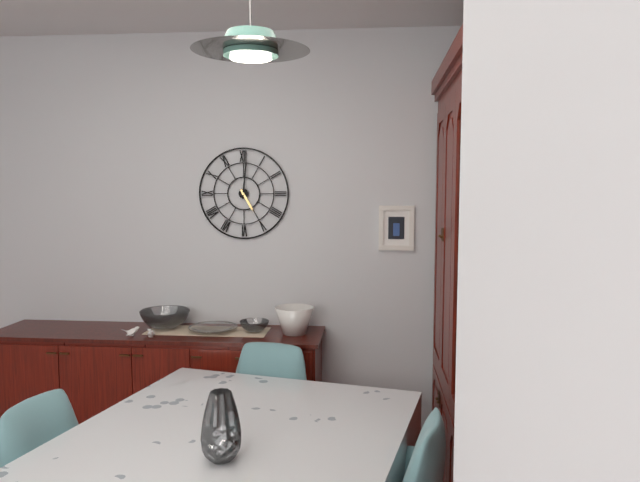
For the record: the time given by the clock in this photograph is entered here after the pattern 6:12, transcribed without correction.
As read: 5:01
